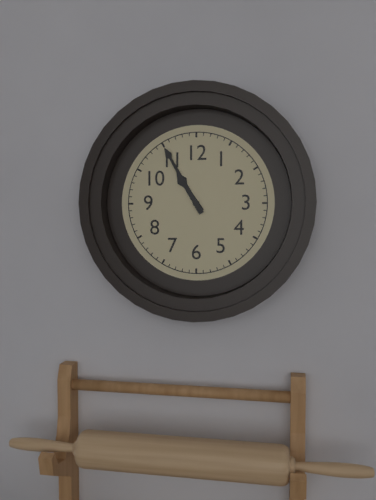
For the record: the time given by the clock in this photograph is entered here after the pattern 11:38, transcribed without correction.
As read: 10:55
